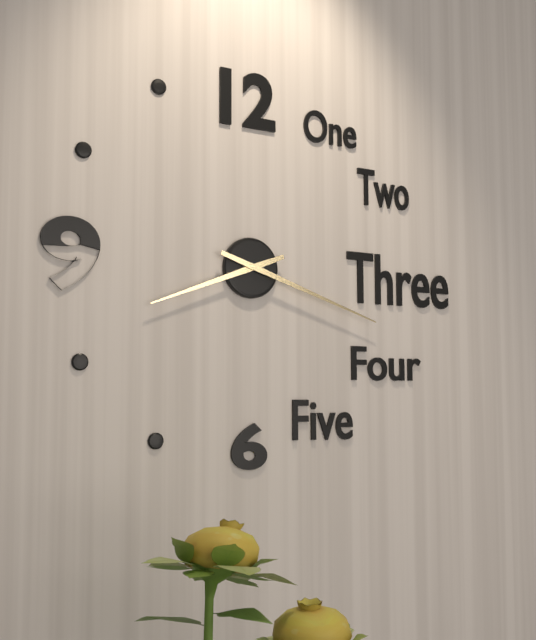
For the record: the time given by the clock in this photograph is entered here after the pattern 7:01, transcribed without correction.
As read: 8:18
